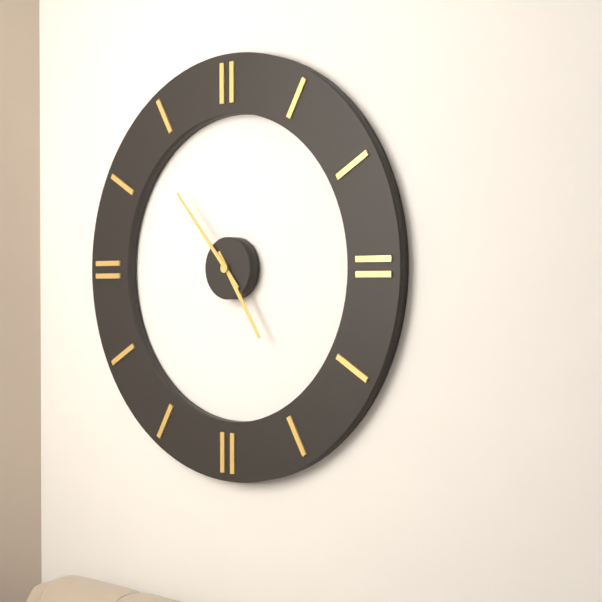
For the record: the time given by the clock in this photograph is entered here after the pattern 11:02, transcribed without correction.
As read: 4:53
